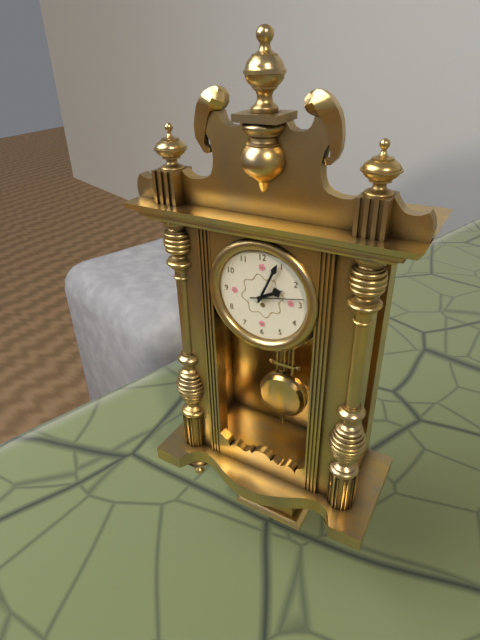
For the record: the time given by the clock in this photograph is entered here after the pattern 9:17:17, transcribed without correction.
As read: 2:04:13
